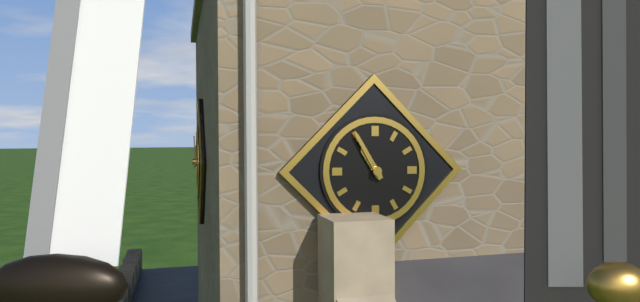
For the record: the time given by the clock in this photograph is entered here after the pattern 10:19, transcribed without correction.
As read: 10:55
